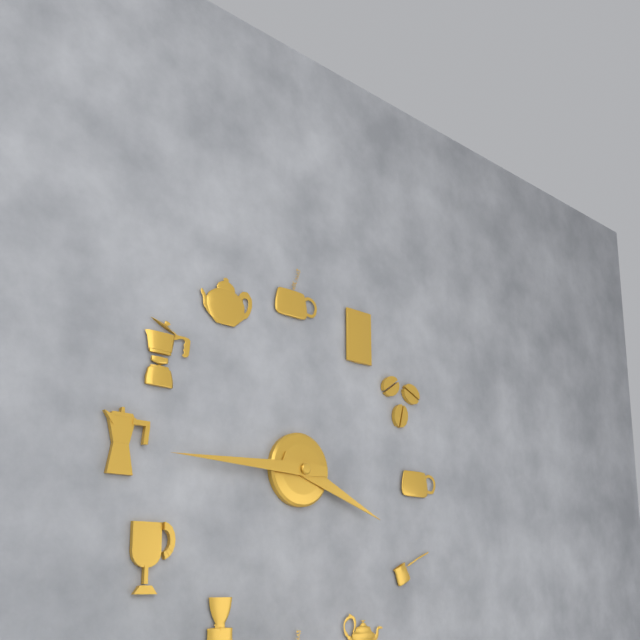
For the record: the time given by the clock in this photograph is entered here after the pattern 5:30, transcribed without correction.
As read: 3:45
